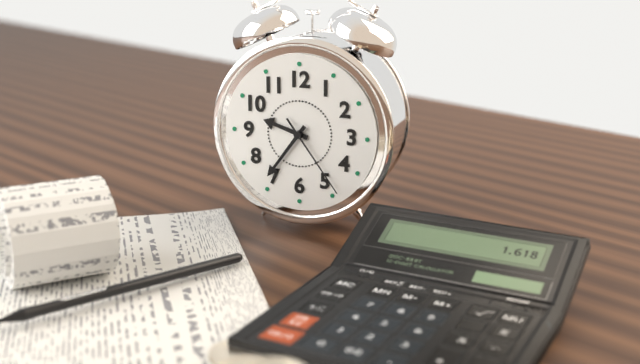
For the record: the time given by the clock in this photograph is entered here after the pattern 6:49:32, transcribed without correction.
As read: 9:36:24
